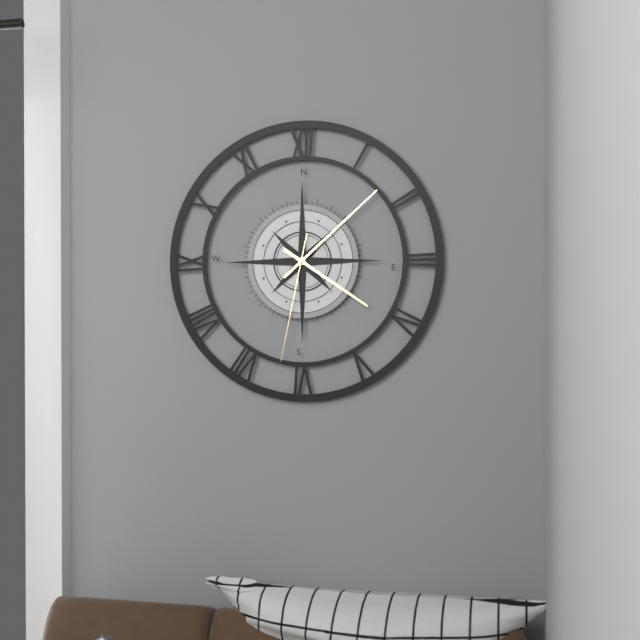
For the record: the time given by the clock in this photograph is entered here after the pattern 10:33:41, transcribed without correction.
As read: 4:08:32
